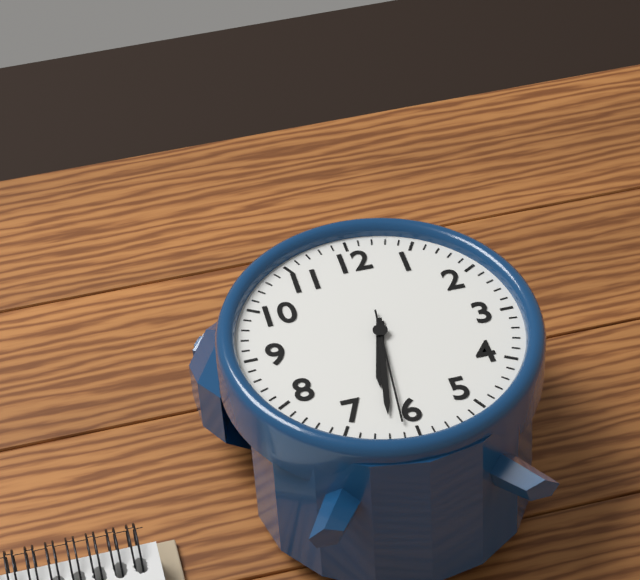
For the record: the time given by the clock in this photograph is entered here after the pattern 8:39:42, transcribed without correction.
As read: 6:32:31
